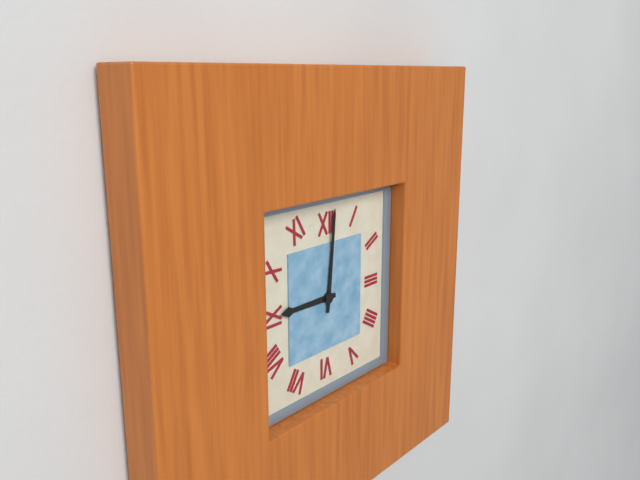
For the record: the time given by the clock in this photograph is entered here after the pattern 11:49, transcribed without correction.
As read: 9:01
